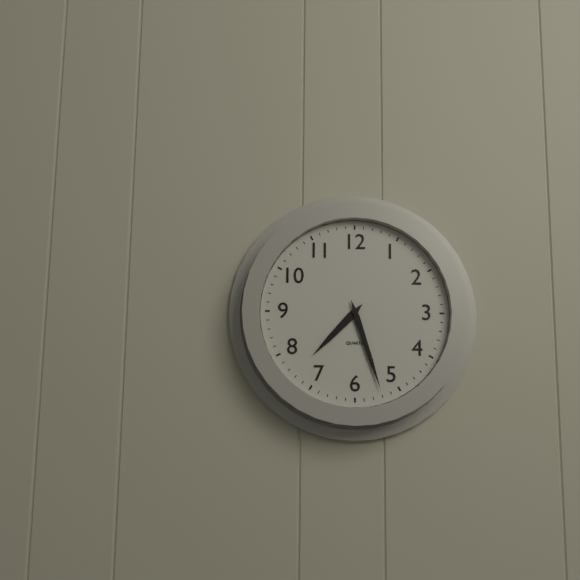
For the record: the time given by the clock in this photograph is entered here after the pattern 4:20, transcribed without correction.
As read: 7:27
